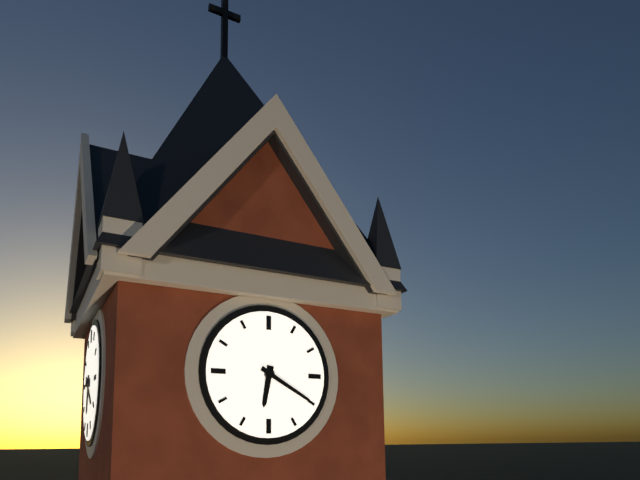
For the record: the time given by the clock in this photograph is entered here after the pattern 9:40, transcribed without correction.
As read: 6:20
